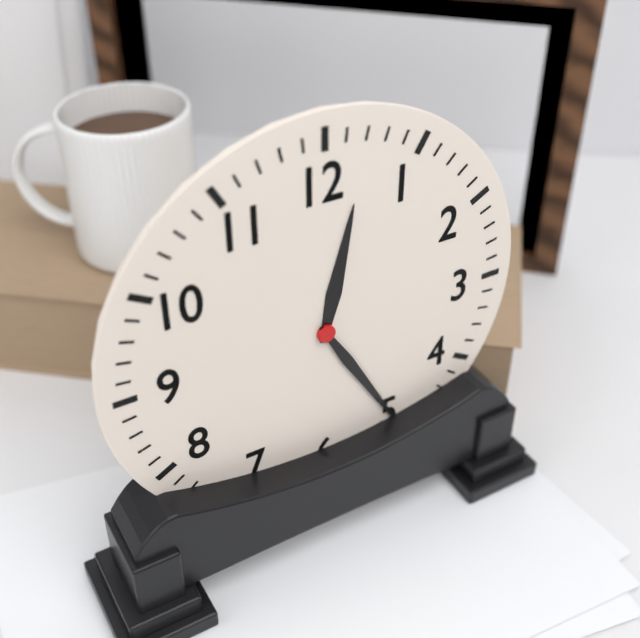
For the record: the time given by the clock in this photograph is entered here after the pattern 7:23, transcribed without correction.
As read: 12:25
